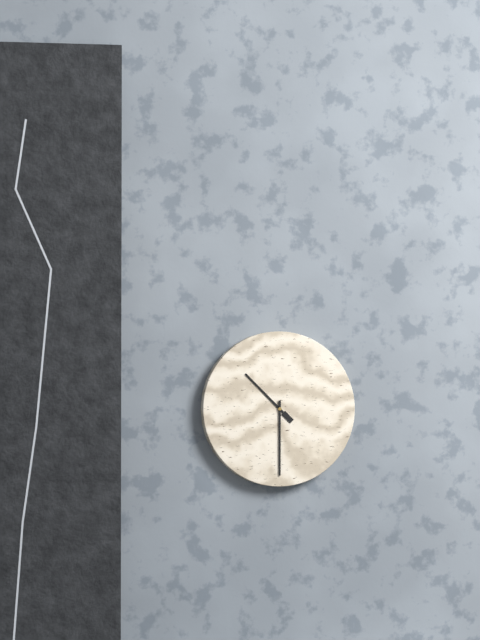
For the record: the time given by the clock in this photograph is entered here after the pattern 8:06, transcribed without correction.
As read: 10:30
